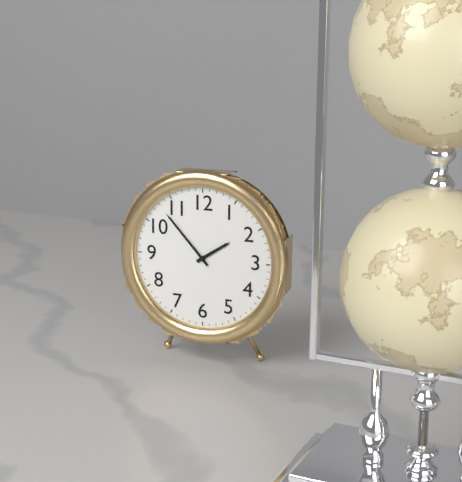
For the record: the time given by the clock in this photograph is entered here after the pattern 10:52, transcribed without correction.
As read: 1:53
